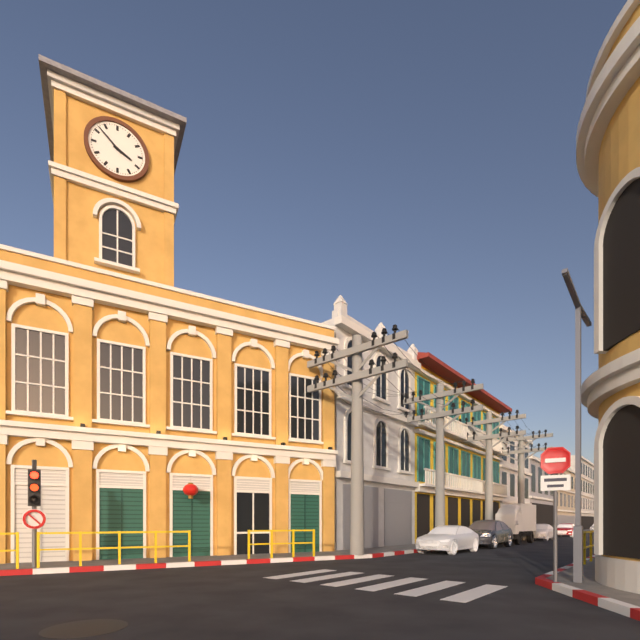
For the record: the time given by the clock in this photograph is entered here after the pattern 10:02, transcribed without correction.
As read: 3:52
